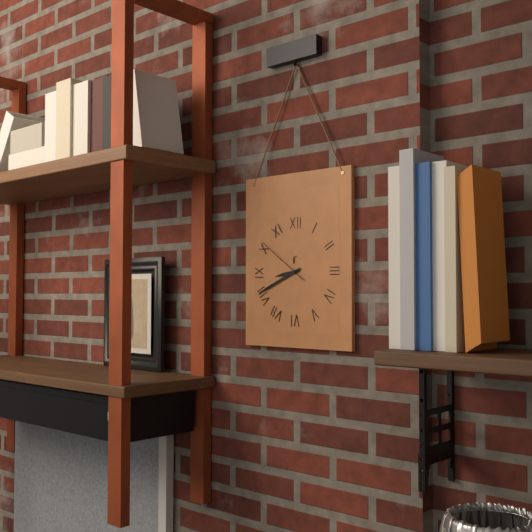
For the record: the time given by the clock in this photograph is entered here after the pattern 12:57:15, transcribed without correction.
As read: 8:41:51
